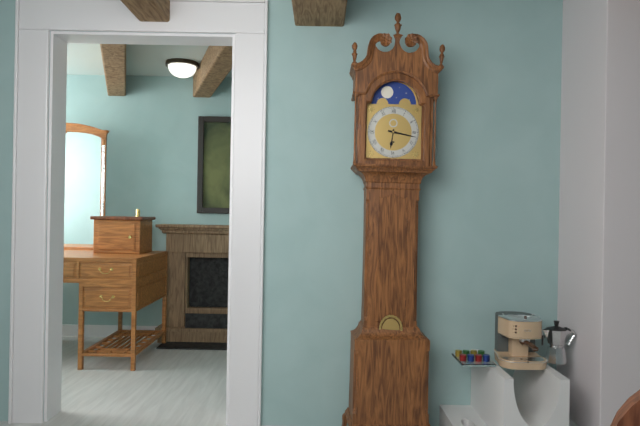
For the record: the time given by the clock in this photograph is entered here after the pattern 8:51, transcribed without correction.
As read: 6:17
